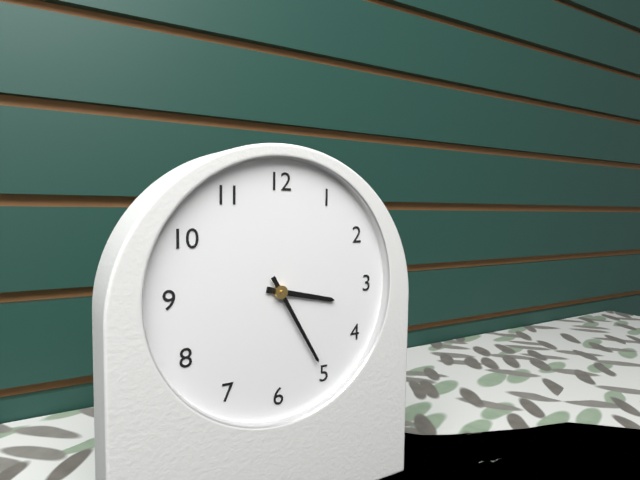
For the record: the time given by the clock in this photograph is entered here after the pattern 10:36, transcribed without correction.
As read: 3:25
